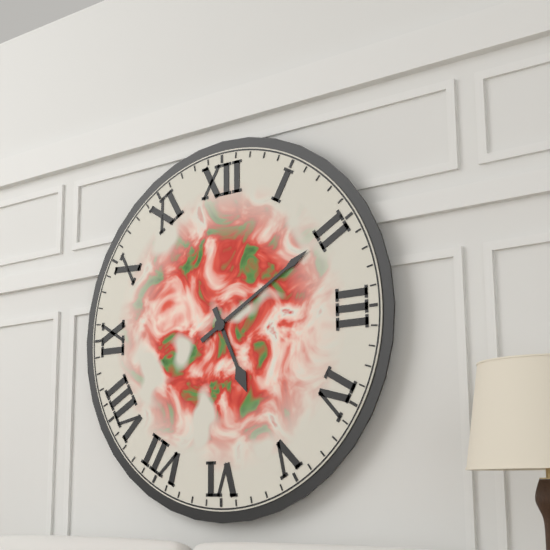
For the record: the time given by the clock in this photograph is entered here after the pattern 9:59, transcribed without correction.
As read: 5:10
